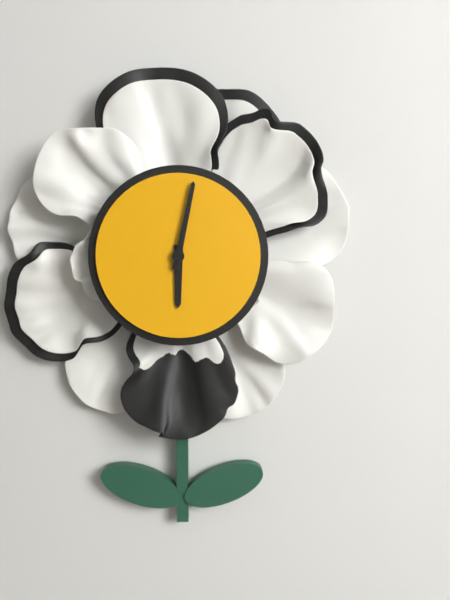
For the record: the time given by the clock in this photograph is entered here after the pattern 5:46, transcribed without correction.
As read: 6:02
